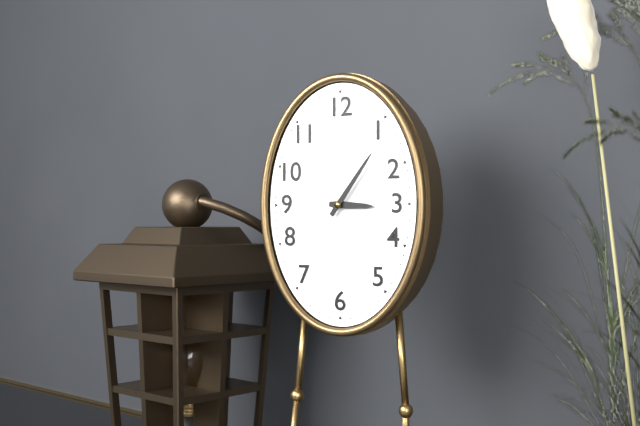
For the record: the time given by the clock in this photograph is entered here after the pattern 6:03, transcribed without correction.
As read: 3:06
